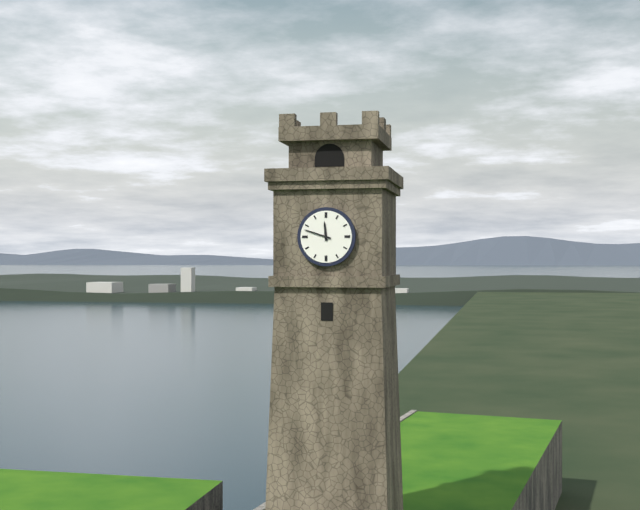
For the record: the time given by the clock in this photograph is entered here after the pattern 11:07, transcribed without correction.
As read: 11:48
